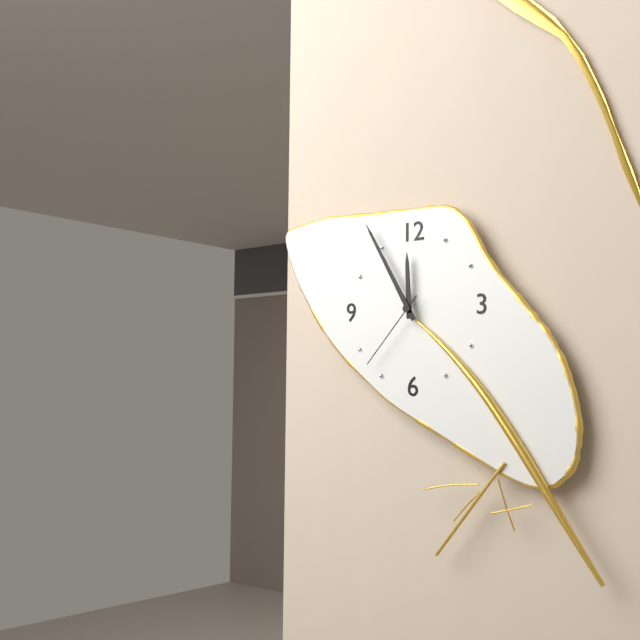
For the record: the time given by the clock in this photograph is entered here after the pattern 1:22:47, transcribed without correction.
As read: 11:55:37
